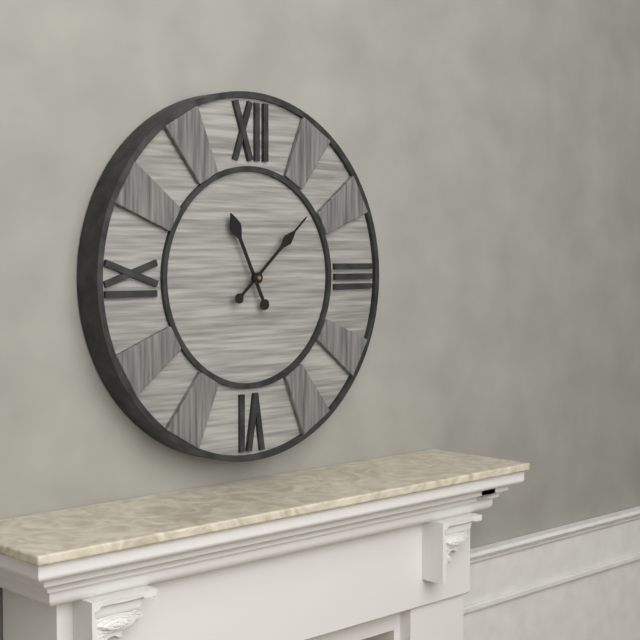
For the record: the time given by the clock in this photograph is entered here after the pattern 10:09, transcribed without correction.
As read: 11:08
